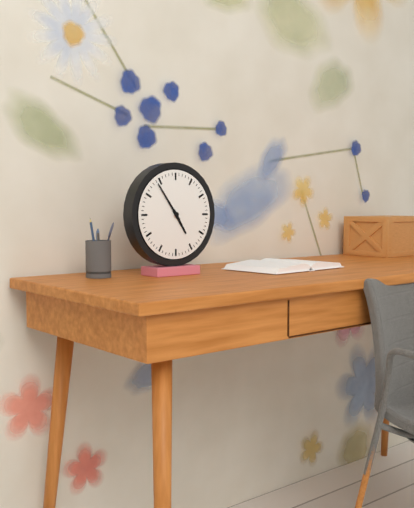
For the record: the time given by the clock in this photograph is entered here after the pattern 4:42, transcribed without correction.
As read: 4:54
